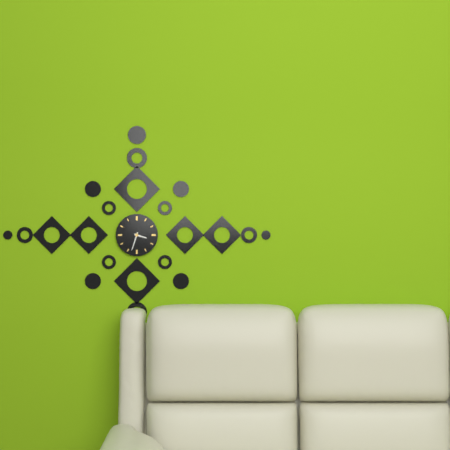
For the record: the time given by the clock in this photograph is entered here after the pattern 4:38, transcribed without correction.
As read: 3:33
